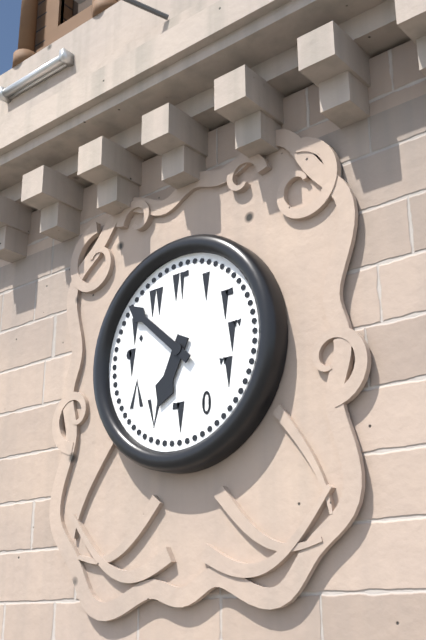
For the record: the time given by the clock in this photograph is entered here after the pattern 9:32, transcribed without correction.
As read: 6:52
